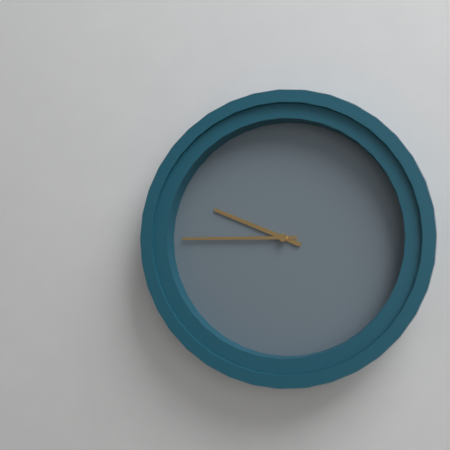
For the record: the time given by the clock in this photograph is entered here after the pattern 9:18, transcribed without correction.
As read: 9:45
